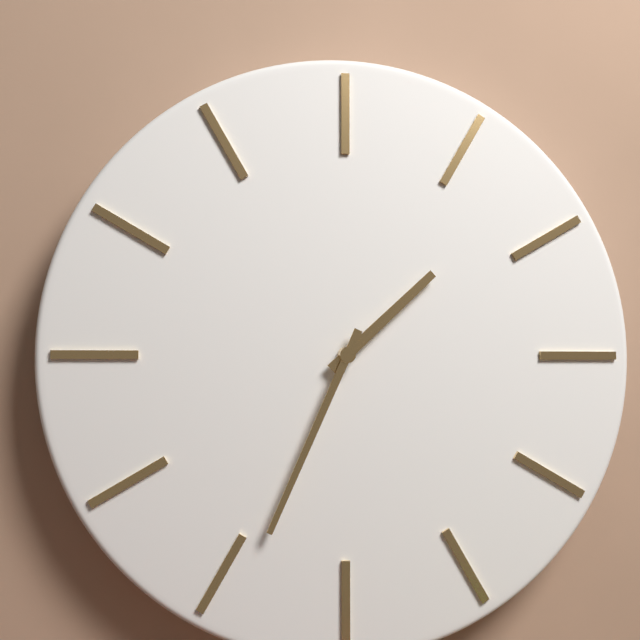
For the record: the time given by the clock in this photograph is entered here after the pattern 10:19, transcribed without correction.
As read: 1:34
